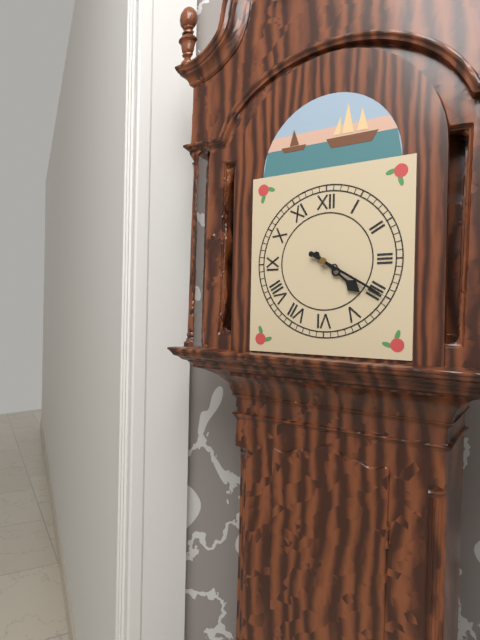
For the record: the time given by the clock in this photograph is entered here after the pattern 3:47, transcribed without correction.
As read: 4:20
